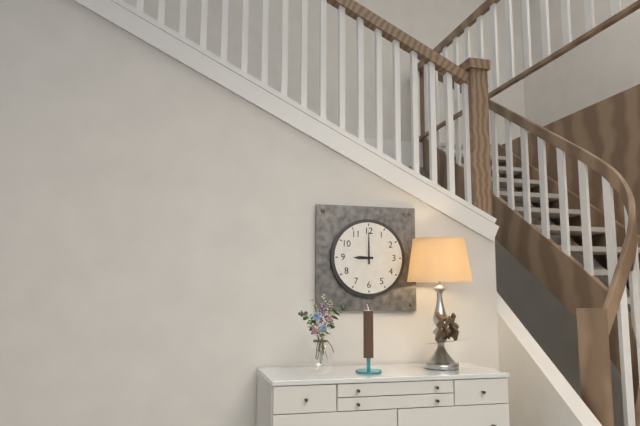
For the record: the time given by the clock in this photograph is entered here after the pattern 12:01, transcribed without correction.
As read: 9:00
